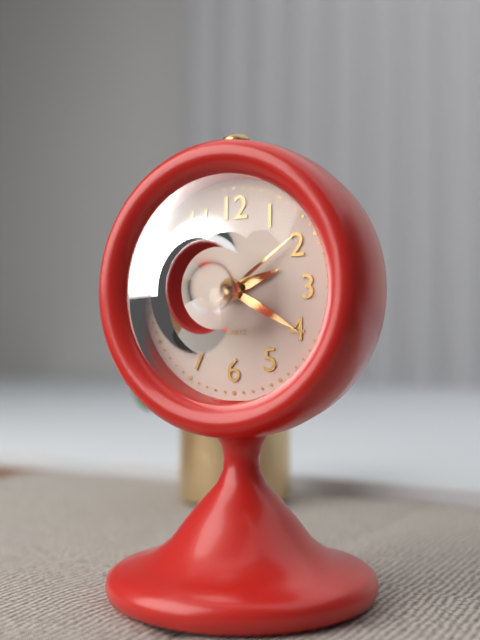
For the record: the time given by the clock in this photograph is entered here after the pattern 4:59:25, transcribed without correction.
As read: 2:20:09
